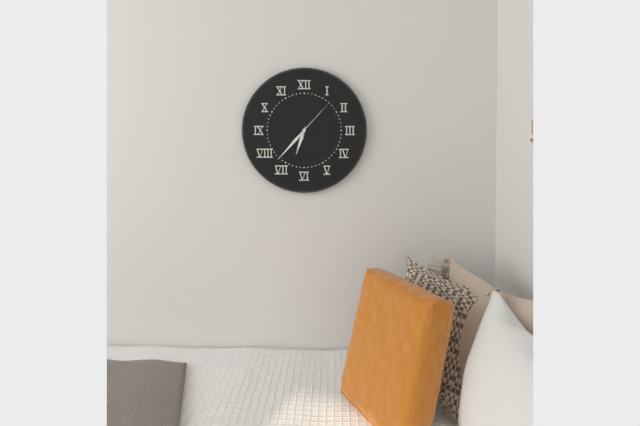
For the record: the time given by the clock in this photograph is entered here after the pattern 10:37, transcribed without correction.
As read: 6:37
